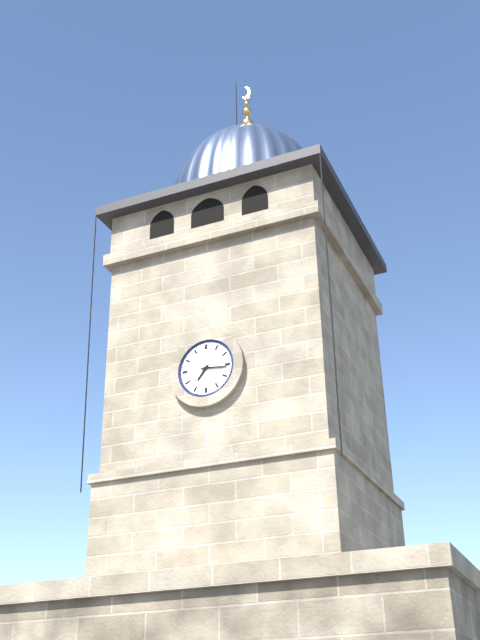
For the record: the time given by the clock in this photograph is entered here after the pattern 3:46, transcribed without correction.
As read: 7:16
